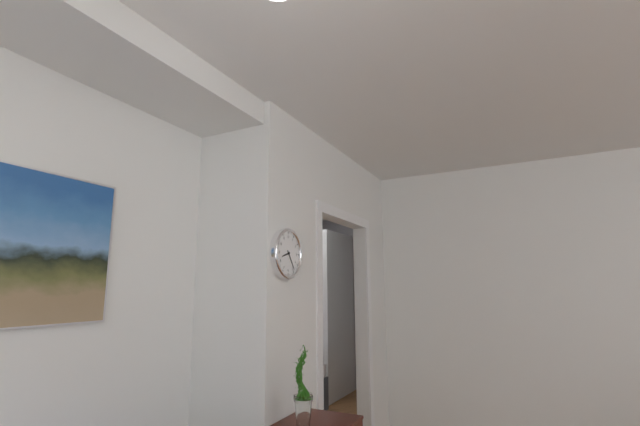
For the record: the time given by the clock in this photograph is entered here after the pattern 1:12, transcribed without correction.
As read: 8:24
